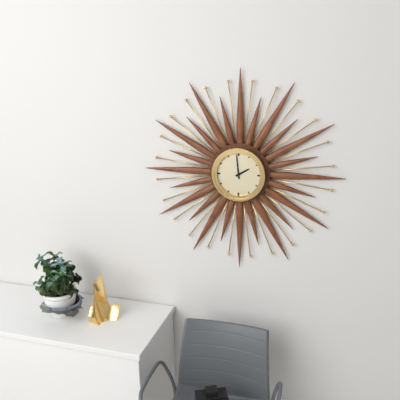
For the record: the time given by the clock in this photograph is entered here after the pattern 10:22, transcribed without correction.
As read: 1:59
